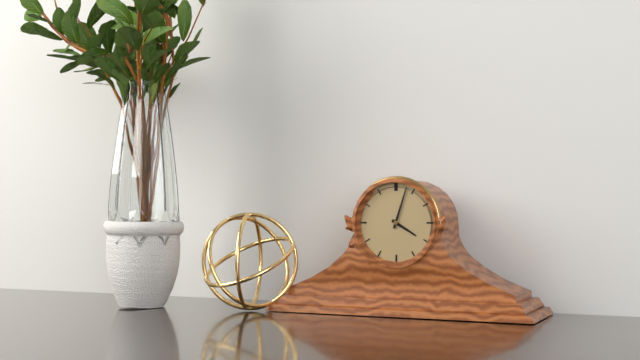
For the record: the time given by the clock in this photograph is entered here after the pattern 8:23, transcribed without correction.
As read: 4:03
